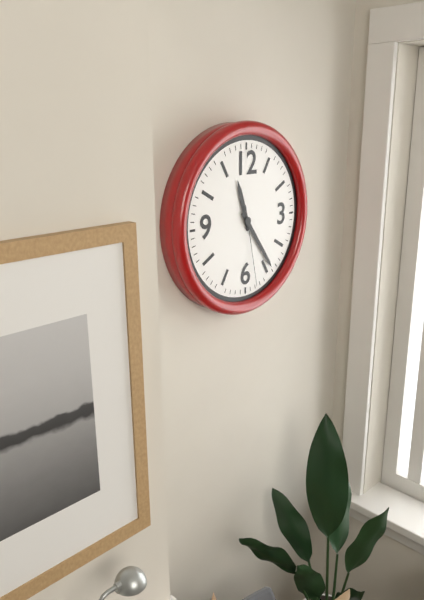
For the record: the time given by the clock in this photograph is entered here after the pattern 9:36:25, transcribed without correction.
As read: 11:24:28
